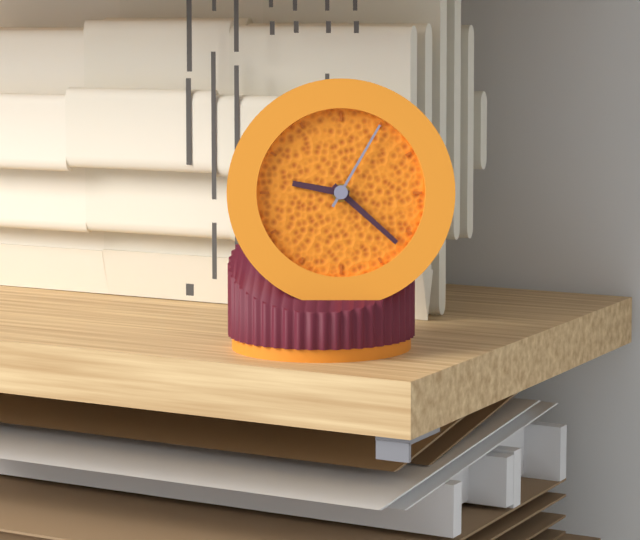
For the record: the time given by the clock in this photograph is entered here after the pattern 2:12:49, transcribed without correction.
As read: 9:22:05
